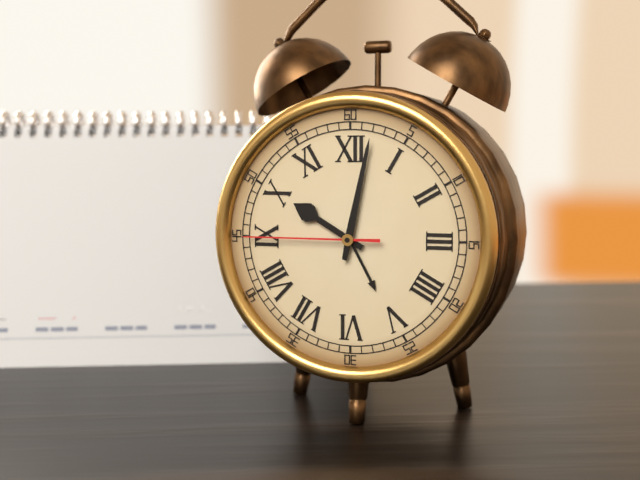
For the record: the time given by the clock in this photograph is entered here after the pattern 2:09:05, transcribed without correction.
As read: 10:02:45
